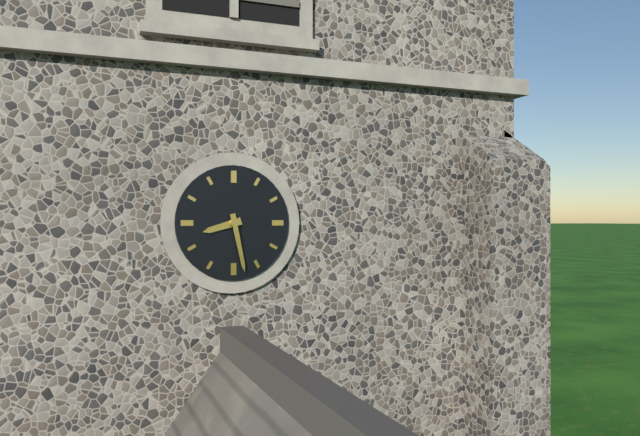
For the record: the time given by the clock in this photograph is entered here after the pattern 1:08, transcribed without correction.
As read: 8:28
